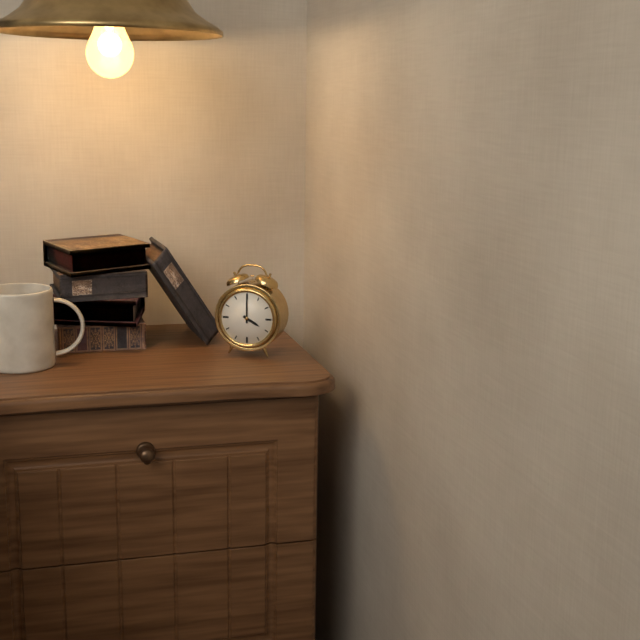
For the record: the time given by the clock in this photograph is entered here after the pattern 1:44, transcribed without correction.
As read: 4:00
